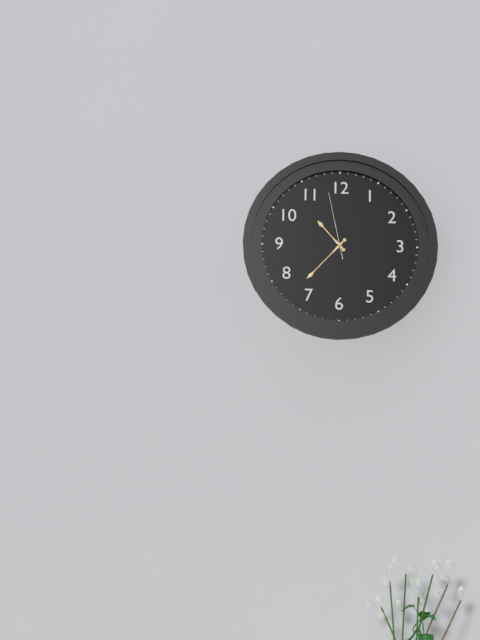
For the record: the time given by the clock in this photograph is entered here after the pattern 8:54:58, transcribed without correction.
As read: 10:37:58
